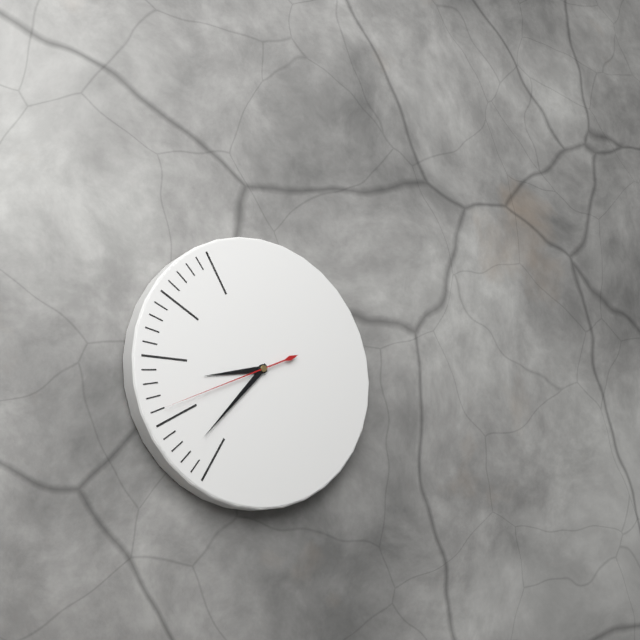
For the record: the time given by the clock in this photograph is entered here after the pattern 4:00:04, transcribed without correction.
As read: 8:37:41
